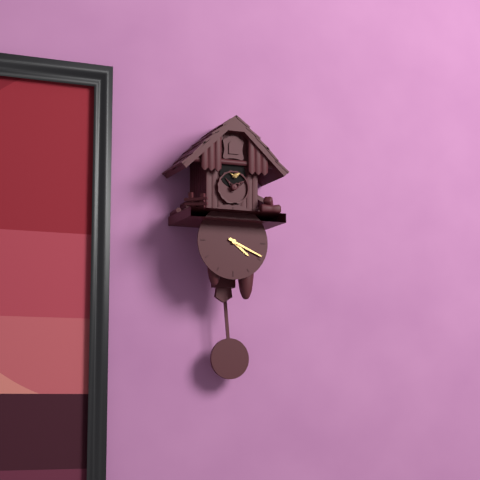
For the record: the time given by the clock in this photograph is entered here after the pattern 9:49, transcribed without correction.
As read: 4:19
